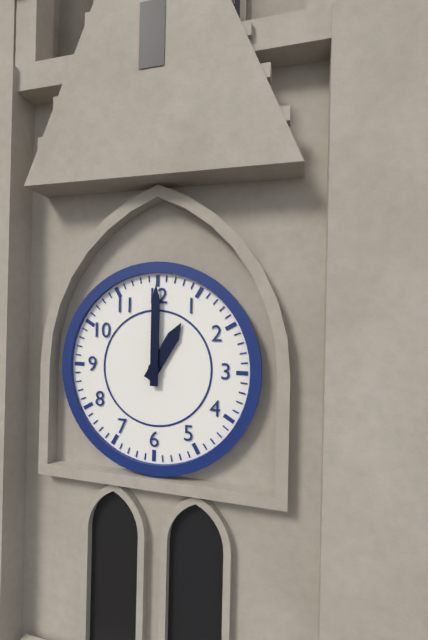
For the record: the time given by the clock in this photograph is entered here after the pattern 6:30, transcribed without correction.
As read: 1:00
